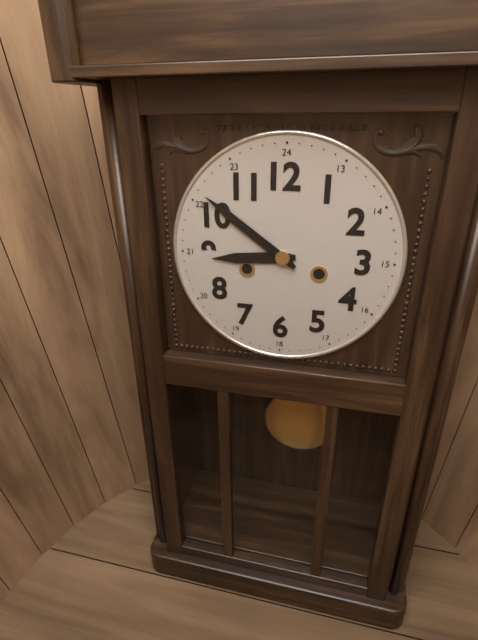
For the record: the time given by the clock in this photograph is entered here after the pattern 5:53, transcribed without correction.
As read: 8:51
